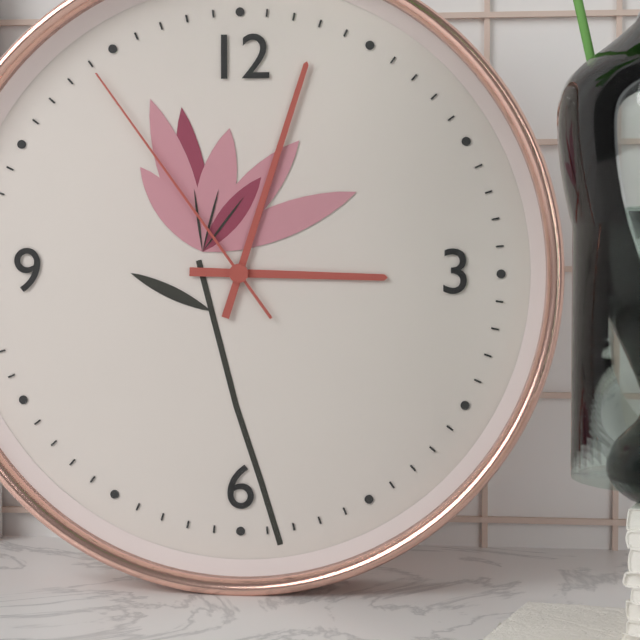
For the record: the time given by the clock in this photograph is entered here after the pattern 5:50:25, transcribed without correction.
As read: 3:03:54
